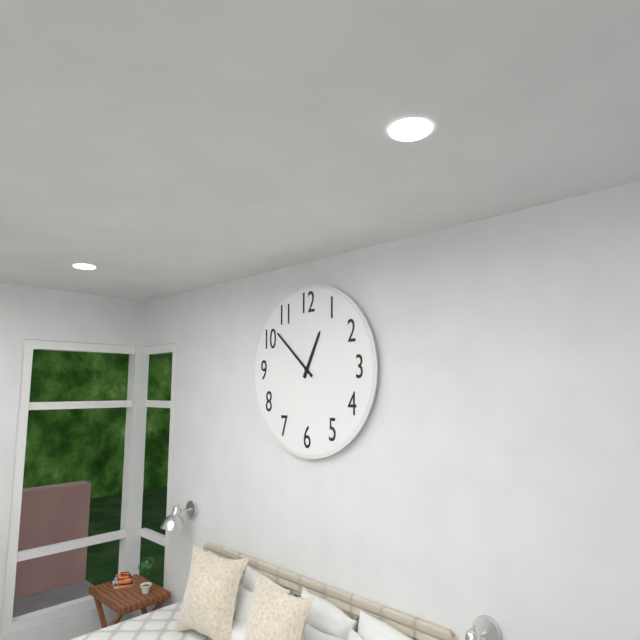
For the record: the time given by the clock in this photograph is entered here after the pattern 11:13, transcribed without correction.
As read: 12:52
